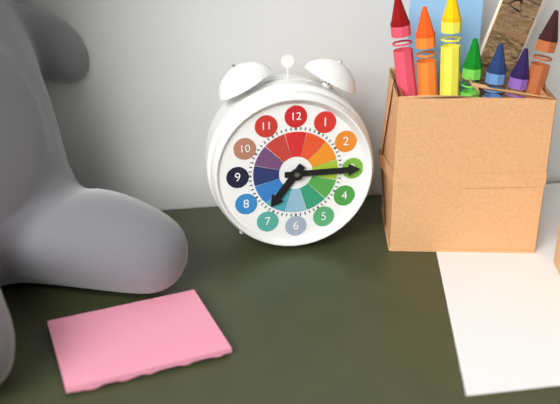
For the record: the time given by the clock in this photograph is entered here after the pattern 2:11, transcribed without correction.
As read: 7:15
